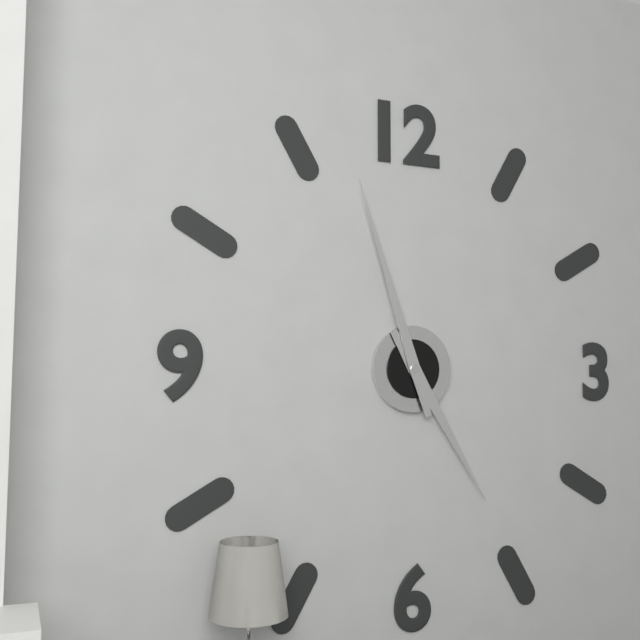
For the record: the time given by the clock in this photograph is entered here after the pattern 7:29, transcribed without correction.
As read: 4:57
